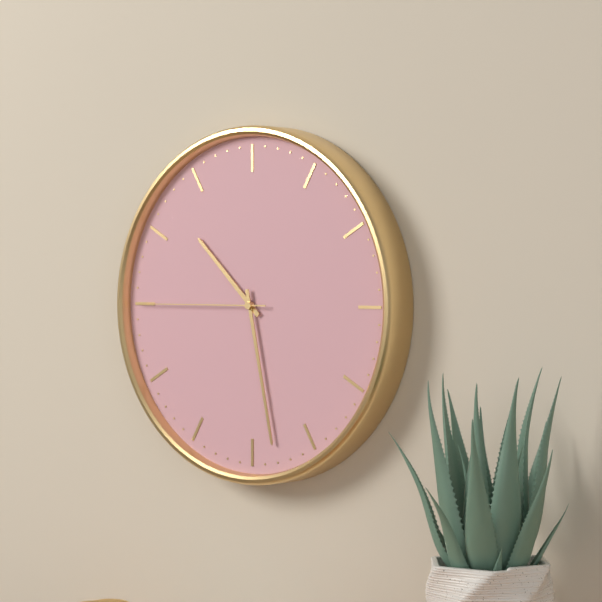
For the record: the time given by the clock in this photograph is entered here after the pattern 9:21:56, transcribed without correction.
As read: 10:28:45
